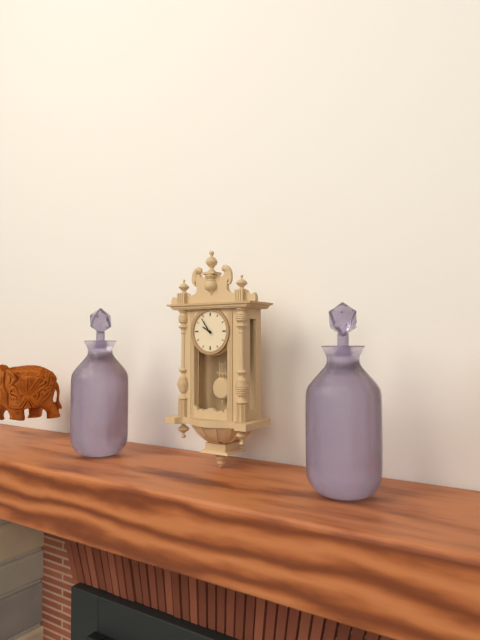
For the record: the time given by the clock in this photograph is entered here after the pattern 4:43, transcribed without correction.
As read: 9:54
